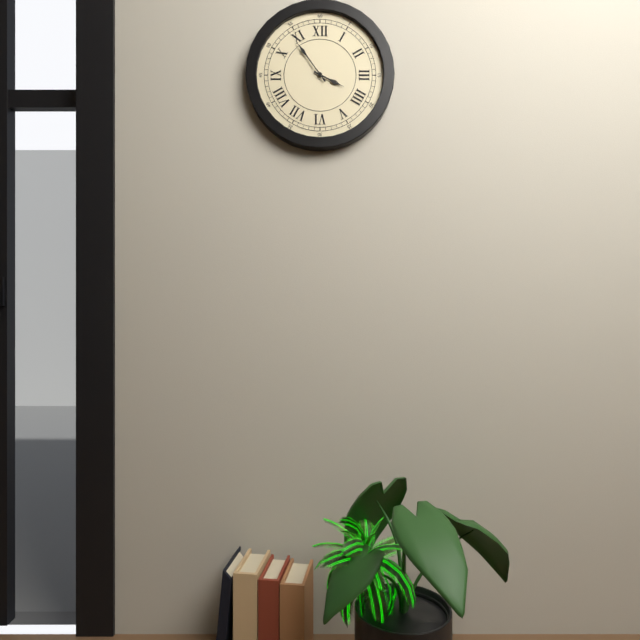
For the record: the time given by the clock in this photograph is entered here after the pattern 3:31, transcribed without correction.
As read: 3:54
